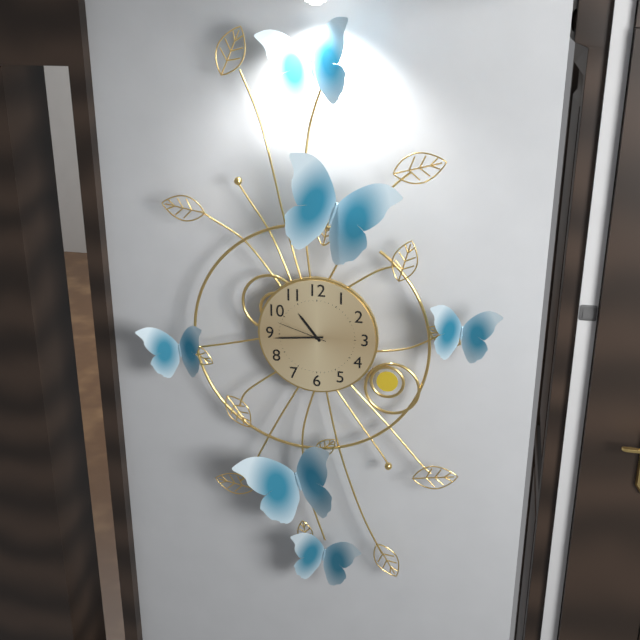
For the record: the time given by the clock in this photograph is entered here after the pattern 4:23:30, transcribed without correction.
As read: 10:44:48
